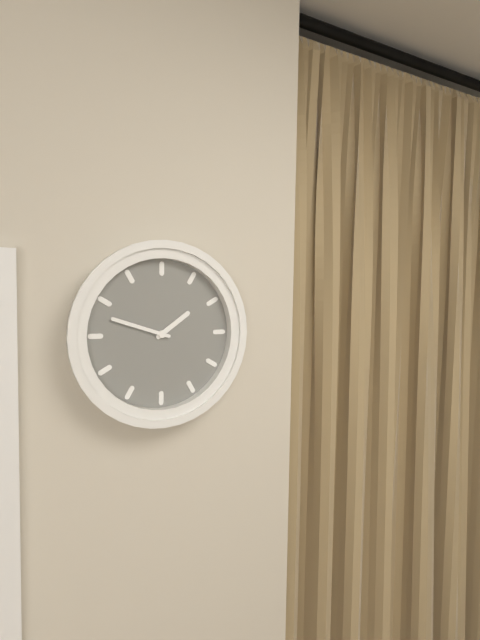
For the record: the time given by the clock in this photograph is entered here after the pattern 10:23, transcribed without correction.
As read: 1:48
